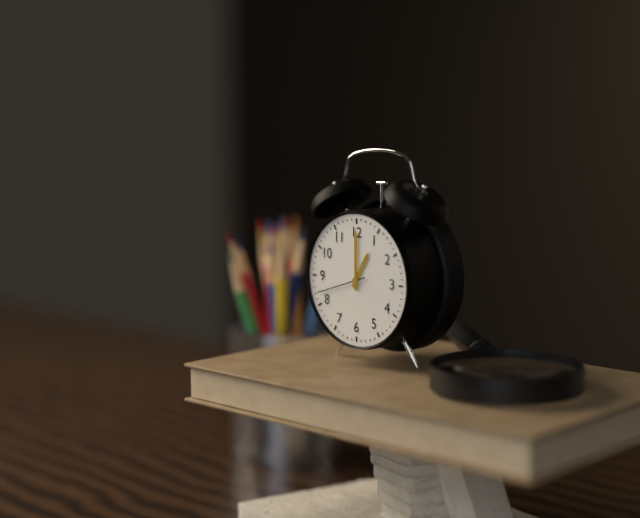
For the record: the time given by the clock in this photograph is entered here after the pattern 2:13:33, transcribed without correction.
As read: 1:00:42
